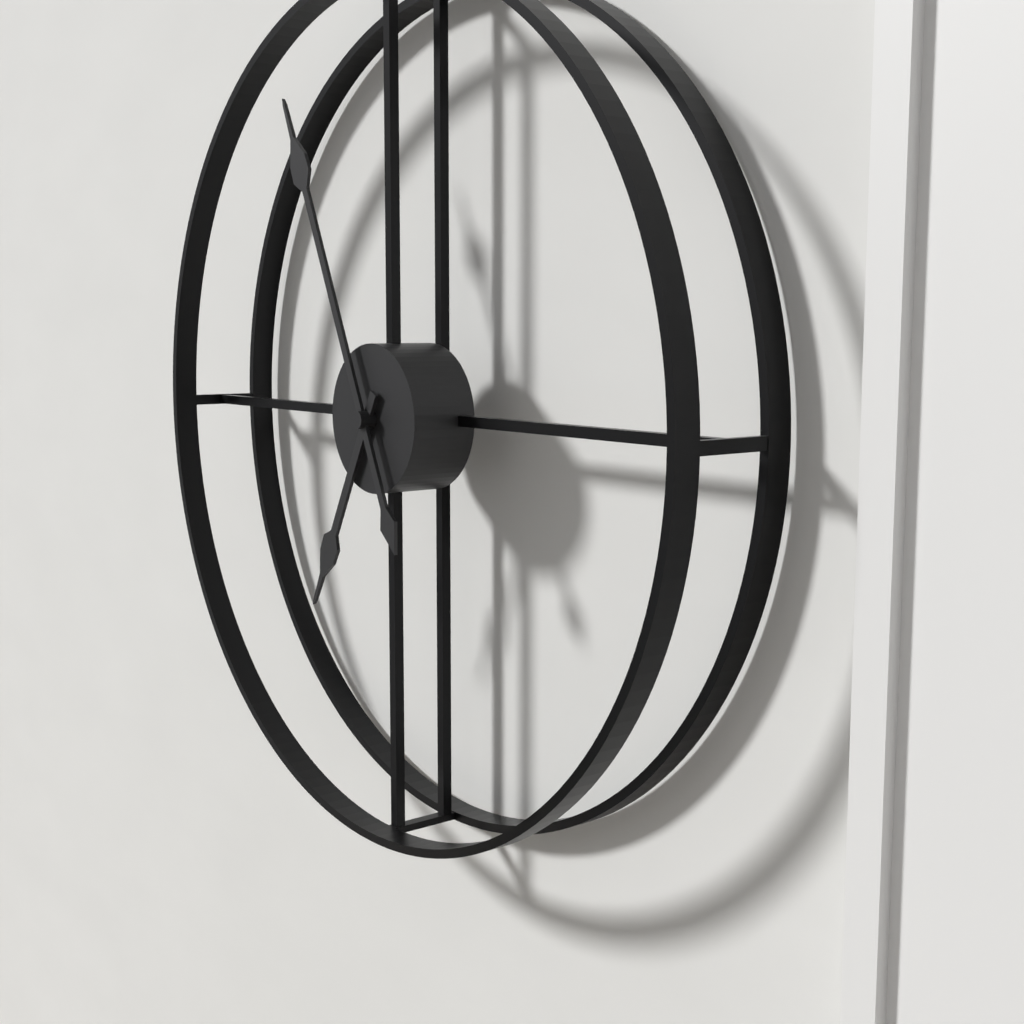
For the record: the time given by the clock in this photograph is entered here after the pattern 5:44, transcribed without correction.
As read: 6:56
